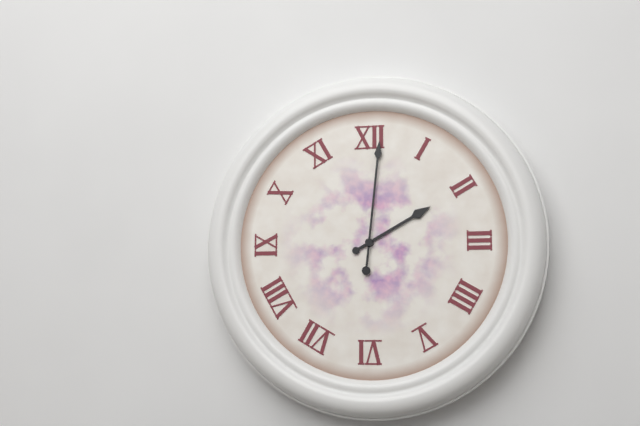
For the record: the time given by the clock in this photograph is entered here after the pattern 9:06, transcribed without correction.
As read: 2:01
